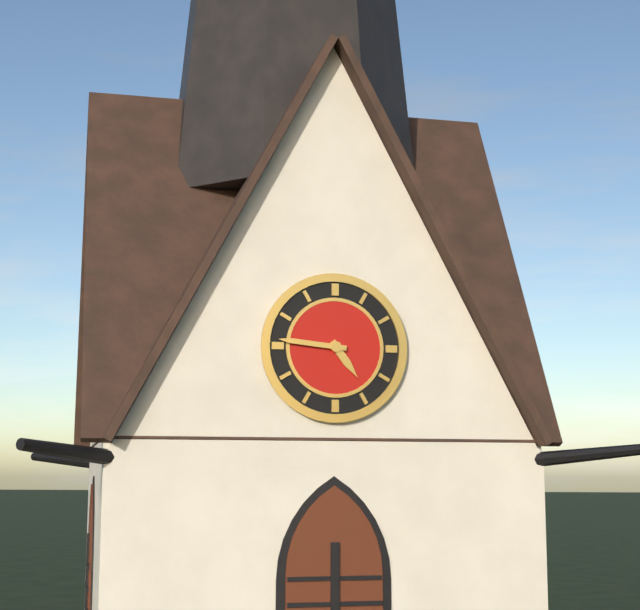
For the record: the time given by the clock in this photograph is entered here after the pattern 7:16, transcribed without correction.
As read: 4:46
